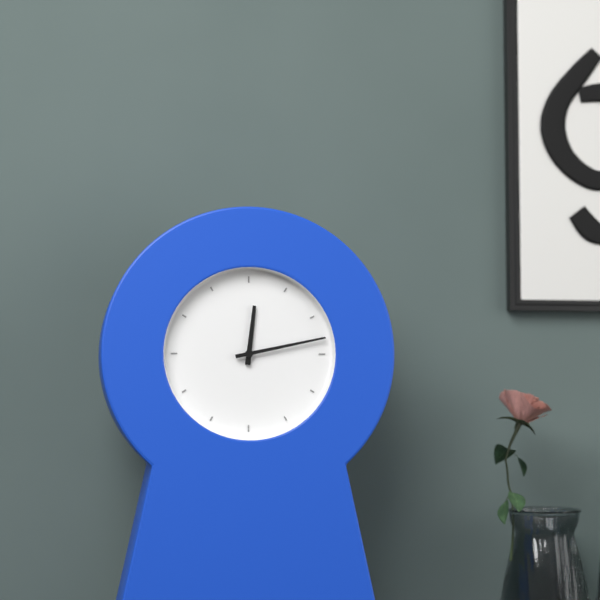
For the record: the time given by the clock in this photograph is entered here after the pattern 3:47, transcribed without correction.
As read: 12:13
